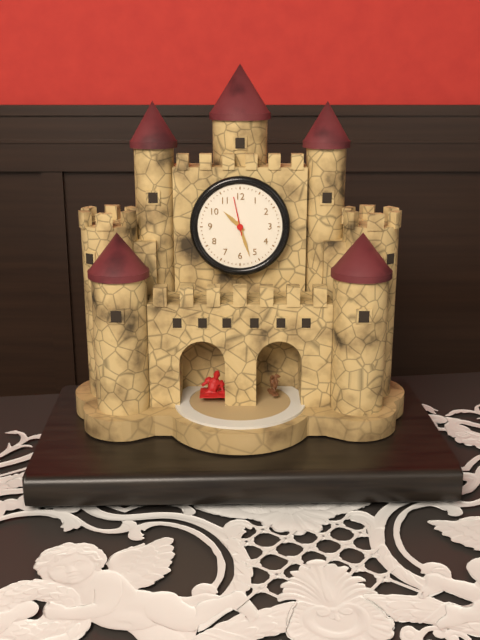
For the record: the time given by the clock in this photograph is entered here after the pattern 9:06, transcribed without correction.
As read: 10:27
